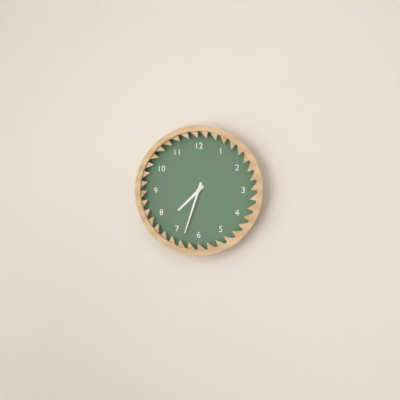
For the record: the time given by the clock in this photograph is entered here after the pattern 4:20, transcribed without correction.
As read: 7:33
